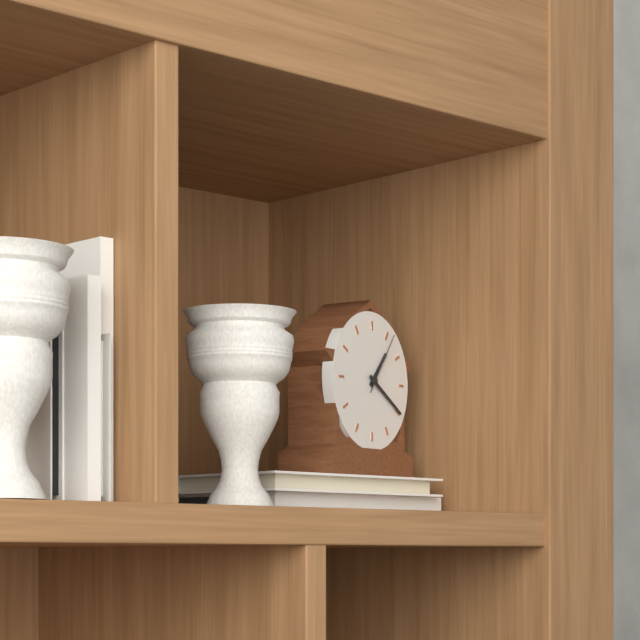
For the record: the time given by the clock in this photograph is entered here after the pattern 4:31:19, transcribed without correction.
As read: 1:20:06
